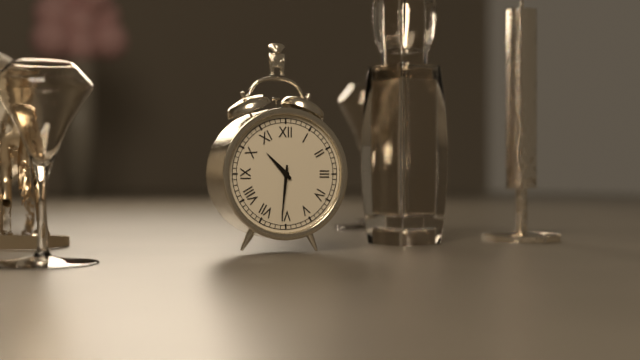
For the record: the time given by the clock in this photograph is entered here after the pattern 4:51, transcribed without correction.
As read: 10:31
